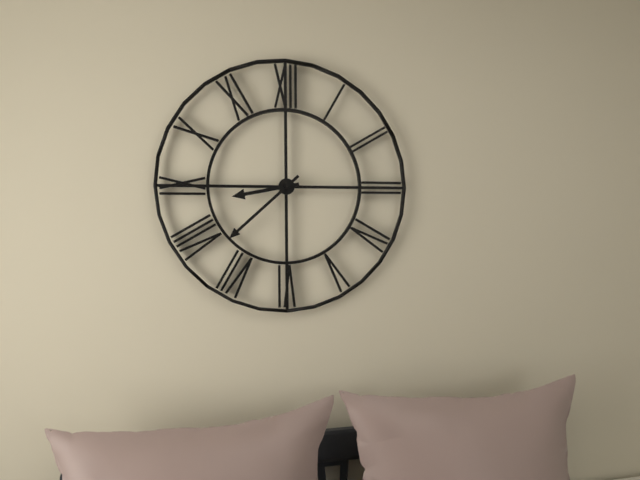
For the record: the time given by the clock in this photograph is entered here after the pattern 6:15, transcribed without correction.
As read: 8:38
